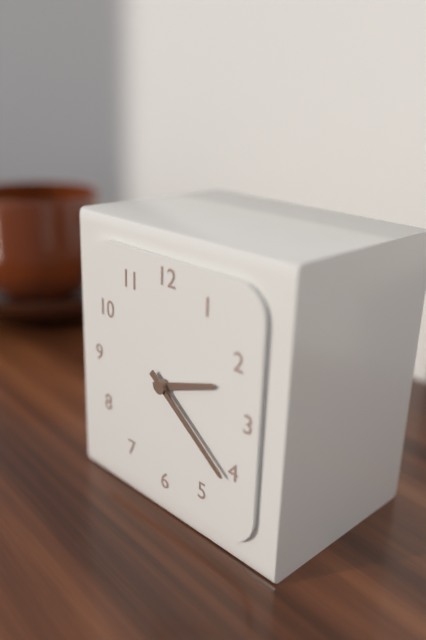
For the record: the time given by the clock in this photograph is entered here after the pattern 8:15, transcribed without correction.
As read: 2:21
